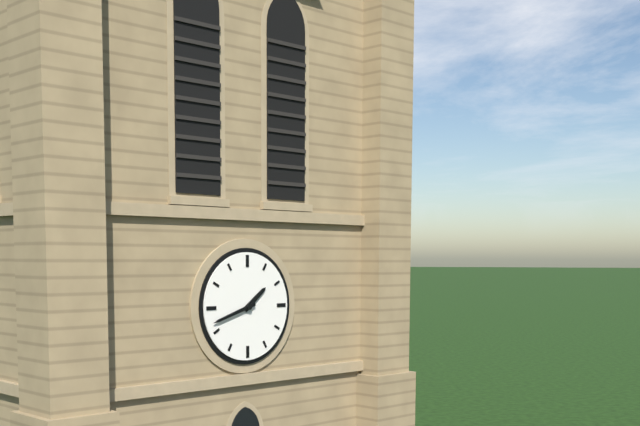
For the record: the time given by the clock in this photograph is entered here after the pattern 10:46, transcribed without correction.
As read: 1:42
